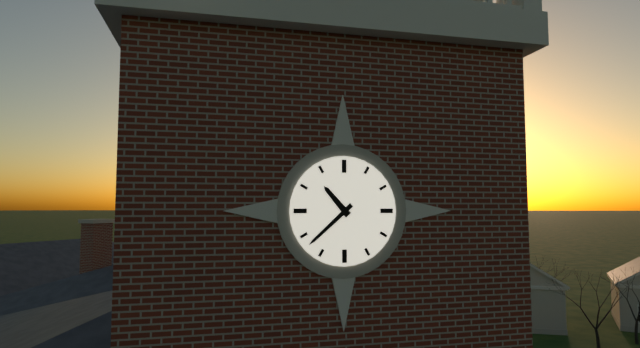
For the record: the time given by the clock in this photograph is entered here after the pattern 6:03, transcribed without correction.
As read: 10:38
